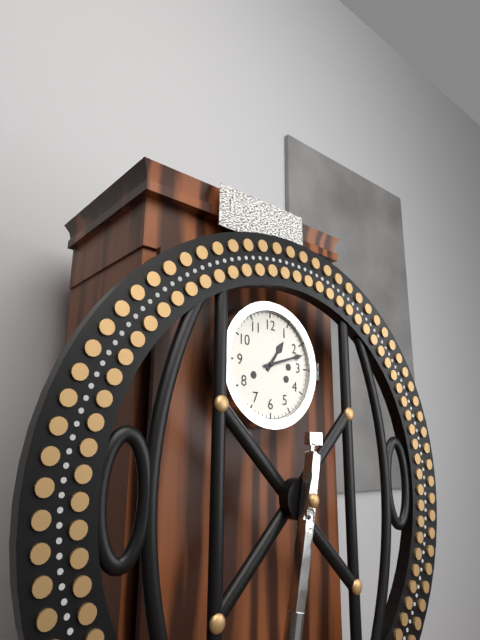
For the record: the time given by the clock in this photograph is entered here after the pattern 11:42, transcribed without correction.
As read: 1:12
